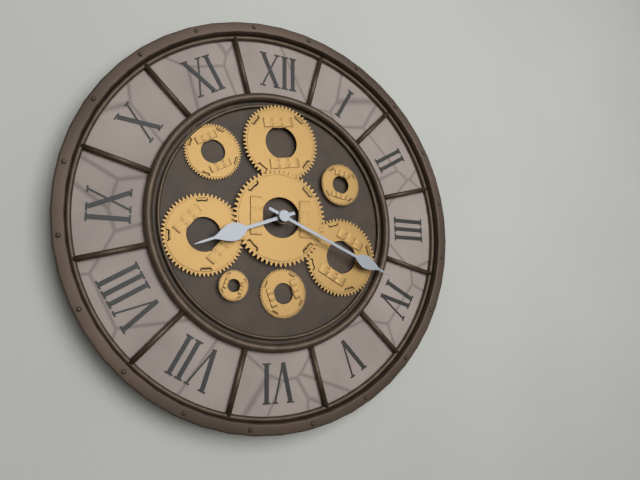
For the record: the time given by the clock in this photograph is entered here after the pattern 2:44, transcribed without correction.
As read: 8:19
